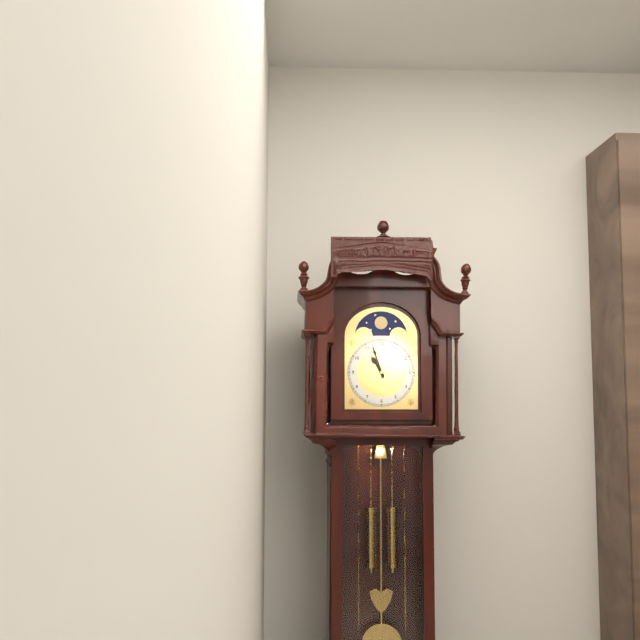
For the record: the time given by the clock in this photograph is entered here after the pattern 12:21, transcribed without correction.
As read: 10:57
